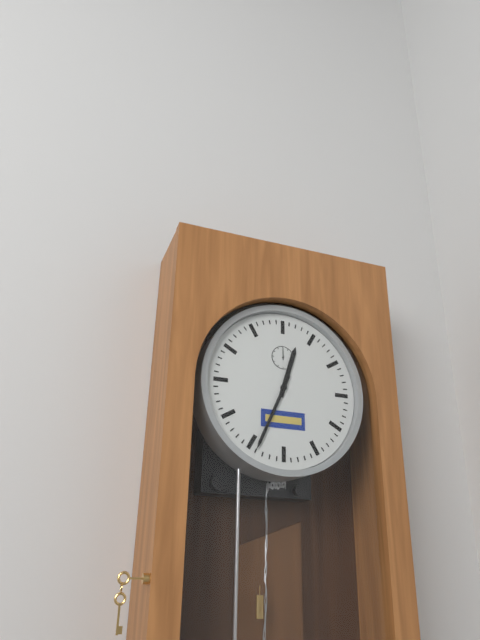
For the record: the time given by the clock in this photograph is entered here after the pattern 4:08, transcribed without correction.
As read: 12:34
